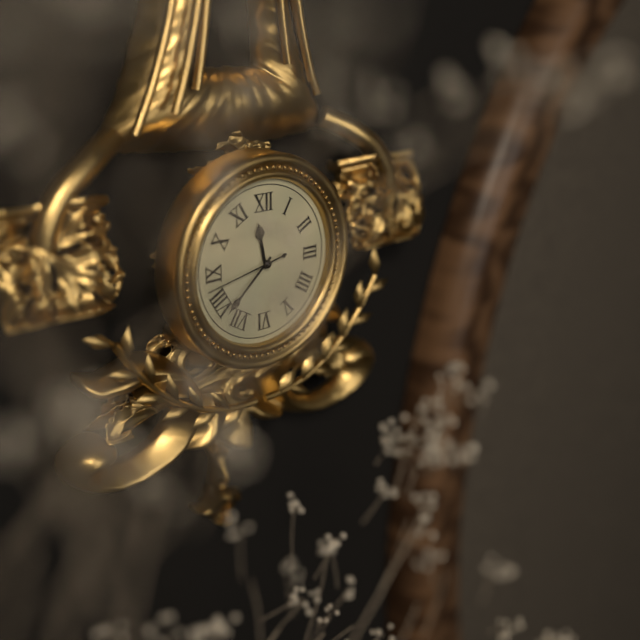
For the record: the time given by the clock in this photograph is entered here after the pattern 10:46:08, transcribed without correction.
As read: 11:38:43
